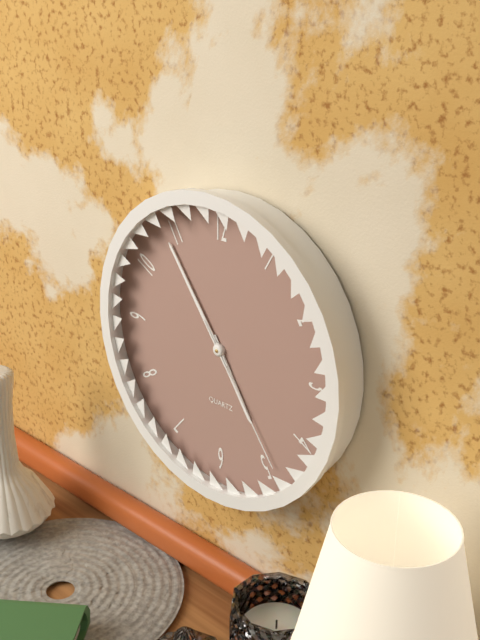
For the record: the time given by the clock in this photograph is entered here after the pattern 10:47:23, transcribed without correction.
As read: 4:54:24
